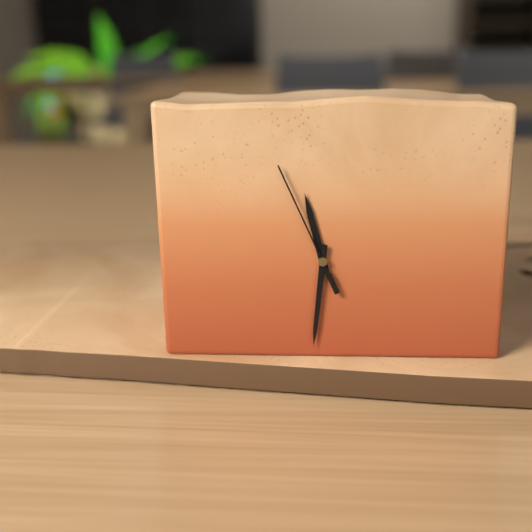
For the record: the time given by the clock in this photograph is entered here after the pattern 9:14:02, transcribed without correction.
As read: 11:31:56
